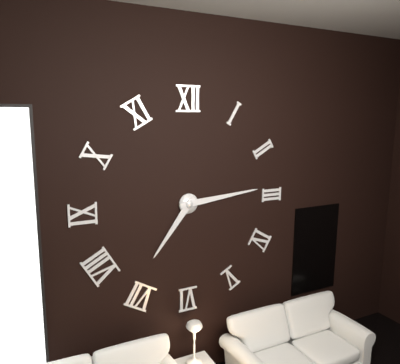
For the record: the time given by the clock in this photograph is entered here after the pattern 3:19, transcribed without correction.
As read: 7:14
